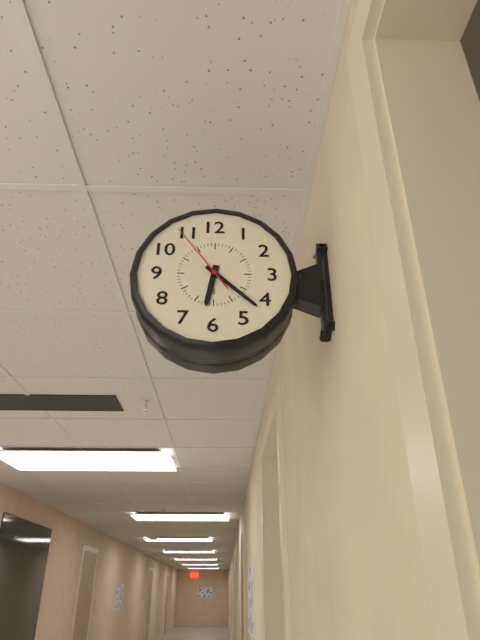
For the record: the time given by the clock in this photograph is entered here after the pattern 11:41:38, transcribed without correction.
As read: 6:22:54
